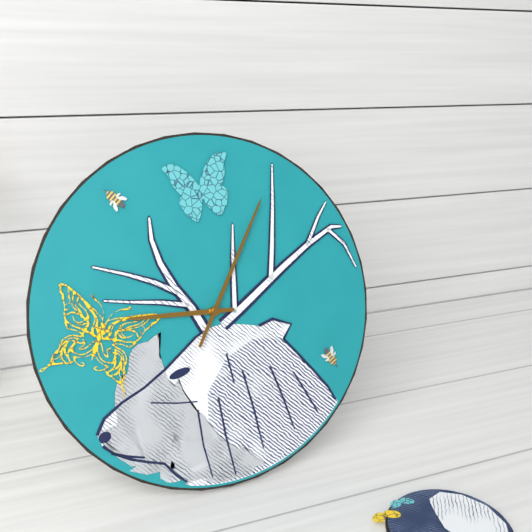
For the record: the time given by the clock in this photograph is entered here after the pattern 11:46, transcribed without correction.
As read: 9:05
